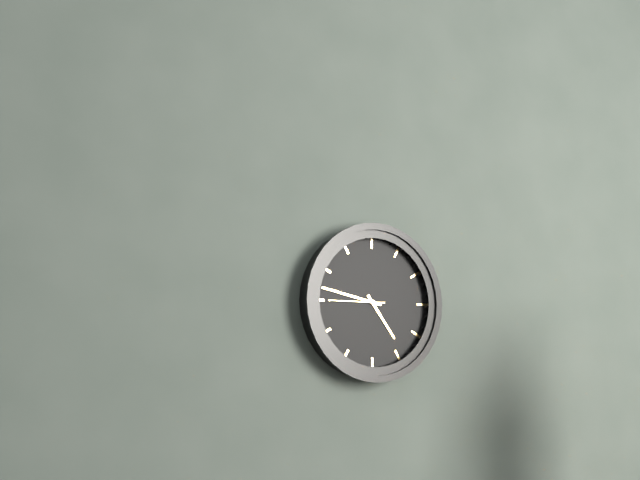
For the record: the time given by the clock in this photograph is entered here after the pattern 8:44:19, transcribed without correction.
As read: 4:47:45
